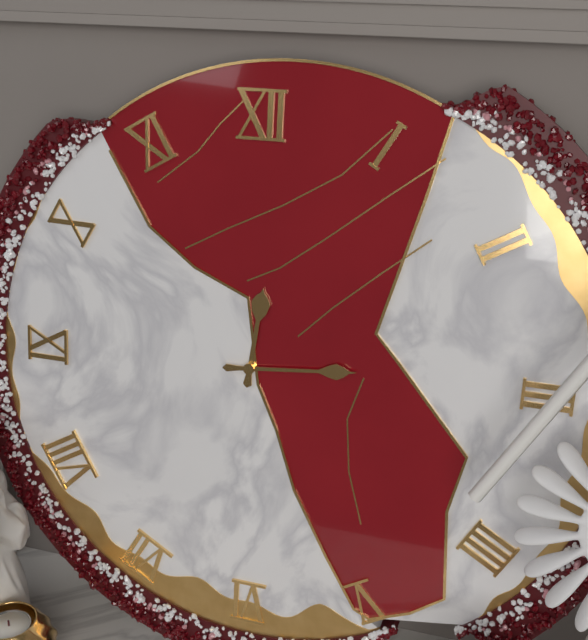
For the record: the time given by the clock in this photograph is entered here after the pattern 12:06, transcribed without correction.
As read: 12:14
